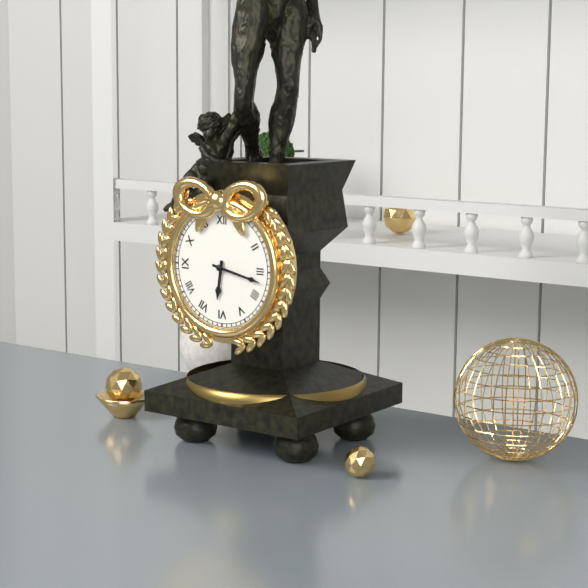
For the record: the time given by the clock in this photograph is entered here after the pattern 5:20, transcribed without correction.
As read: 6:17
